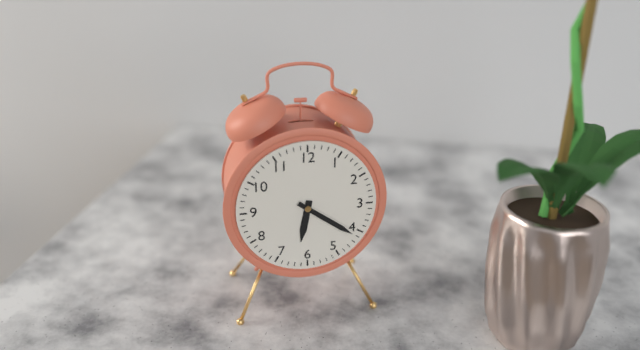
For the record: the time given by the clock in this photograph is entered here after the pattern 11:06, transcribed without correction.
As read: 6:21
